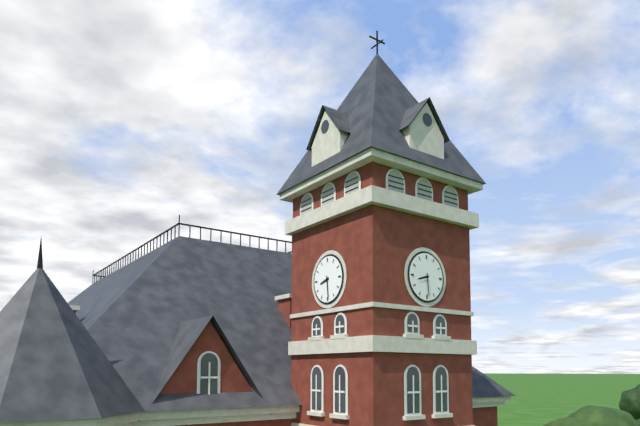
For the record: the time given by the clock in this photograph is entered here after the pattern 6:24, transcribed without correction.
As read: 8:29
